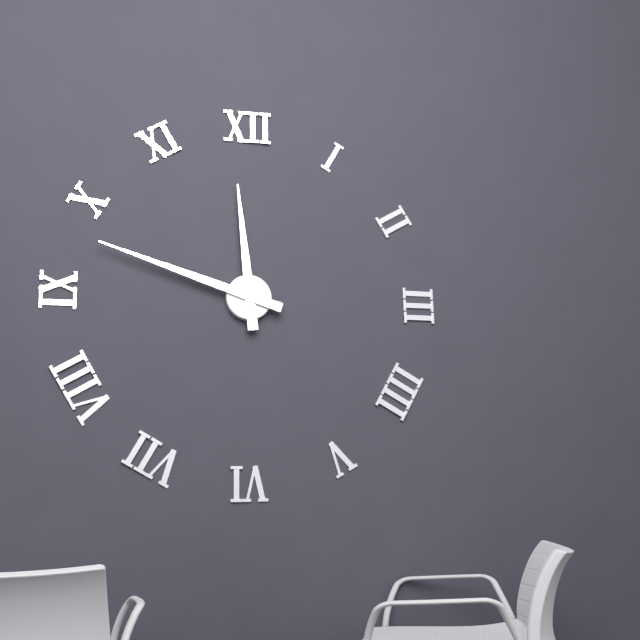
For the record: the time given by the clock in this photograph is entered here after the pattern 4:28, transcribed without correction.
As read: 11:48
